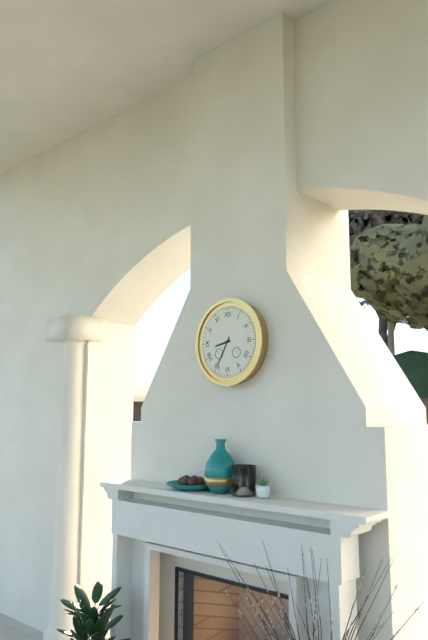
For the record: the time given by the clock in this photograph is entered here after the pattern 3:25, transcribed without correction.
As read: 8:35
